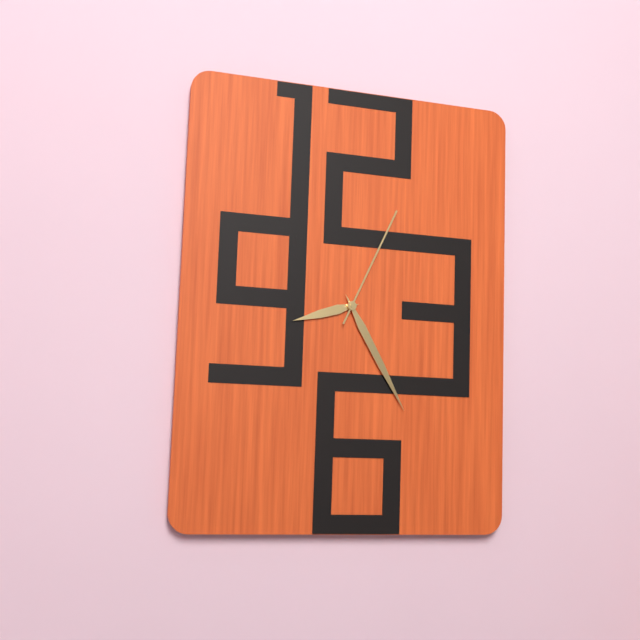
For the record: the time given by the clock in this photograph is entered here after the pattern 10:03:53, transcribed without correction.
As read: 8:25:04
